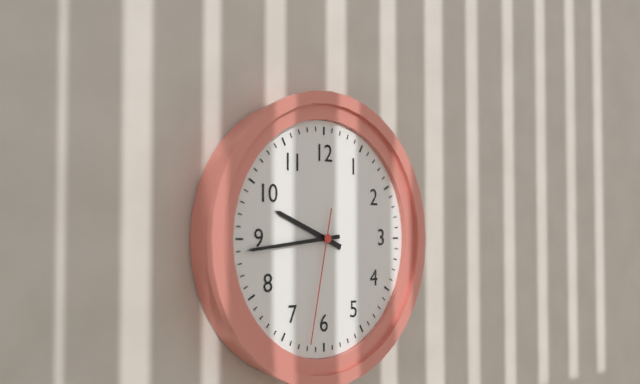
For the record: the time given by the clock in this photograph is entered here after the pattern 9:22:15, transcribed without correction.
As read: 9:44:32
